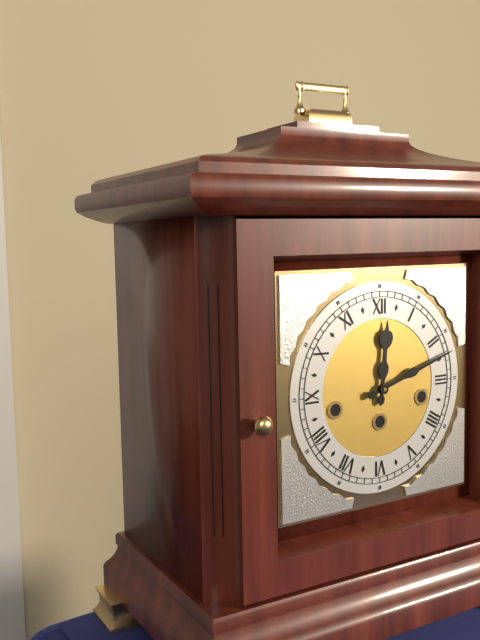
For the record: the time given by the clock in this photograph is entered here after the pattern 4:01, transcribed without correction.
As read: 12:12
